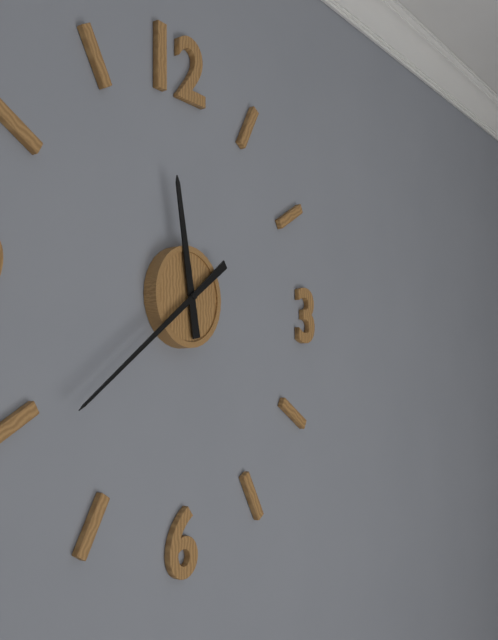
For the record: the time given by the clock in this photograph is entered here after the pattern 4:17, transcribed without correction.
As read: 11:39
